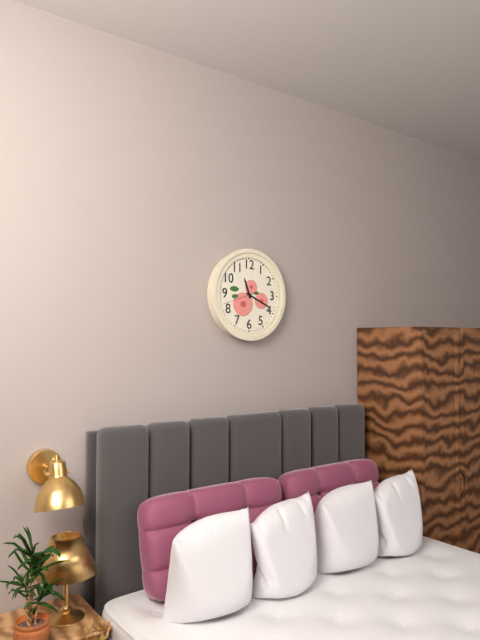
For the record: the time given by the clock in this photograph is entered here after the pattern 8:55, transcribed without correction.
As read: 11:19
